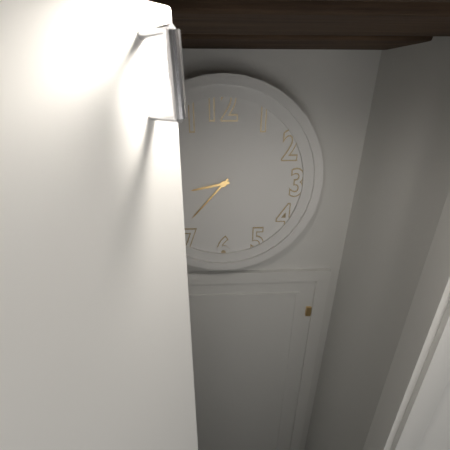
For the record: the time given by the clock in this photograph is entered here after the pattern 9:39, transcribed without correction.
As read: 8:37
